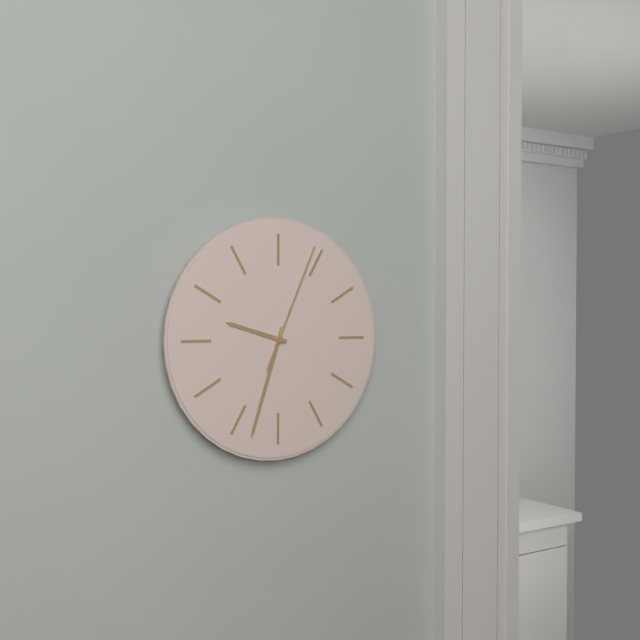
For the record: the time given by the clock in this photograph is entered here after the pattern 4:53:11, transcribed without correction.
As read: 9:33:04
